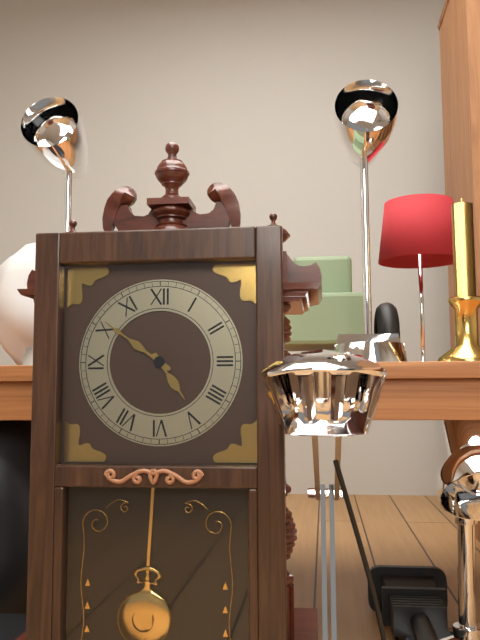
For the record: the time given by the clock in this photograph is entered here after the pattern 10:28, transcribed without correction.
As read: 4:51
